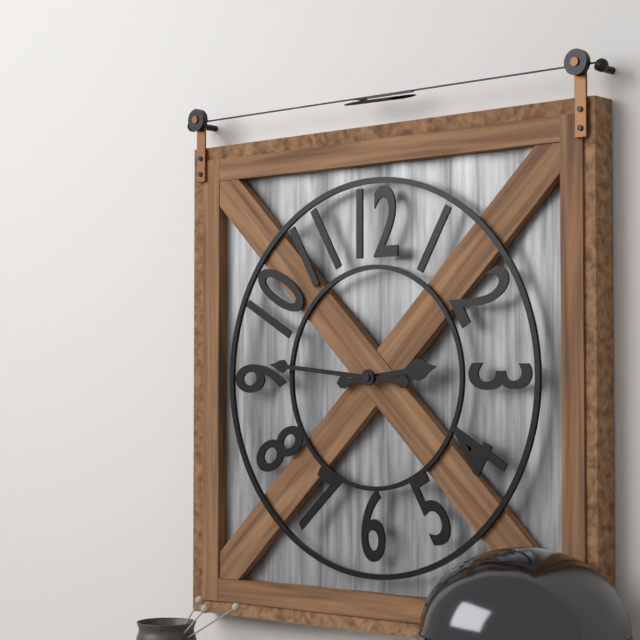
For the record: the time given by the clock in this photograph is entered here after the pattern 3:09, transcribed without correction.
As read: 2:46
